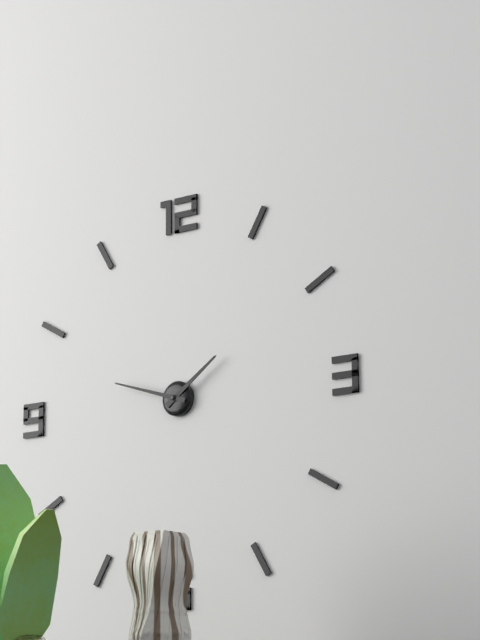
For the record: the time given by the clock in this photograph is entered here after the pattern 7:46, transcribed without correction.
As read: 1:48
